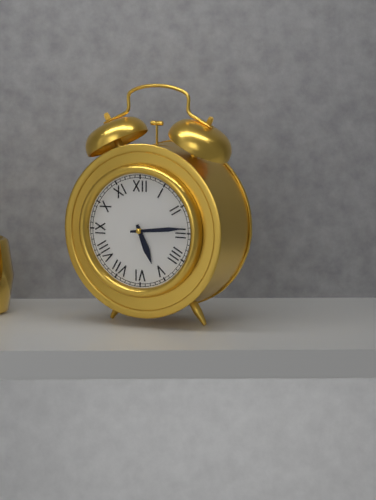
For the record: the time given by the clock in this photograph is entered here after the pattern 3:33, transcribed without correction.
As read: 5:14
